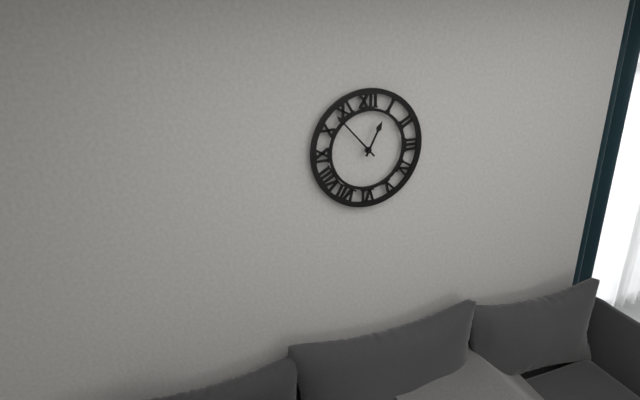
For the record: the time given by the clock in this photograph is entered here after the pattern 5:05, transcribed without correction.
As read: 12:53
